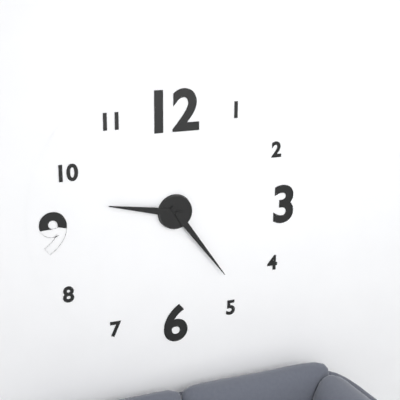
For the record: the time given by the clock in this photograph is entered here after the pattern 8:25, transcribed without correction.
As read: 9:24
